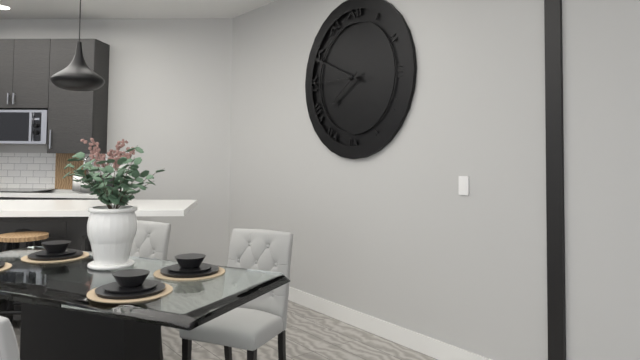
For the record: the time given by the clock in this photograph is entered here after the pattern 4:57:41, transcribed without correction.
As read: 7:49:45
